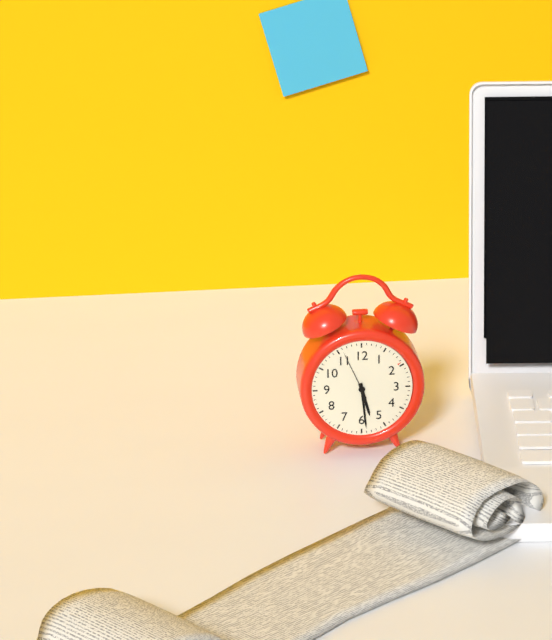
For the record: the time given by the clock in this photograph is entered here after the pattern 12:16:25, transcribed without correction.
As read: 5:29:56
